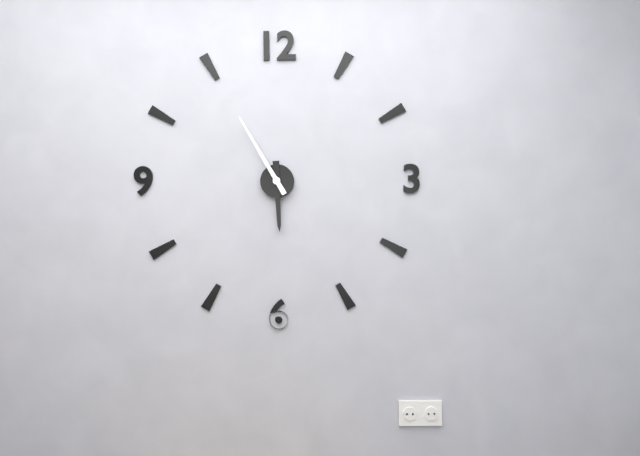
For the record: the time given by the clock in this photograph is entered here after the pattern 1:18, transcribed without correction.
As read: 5:55
